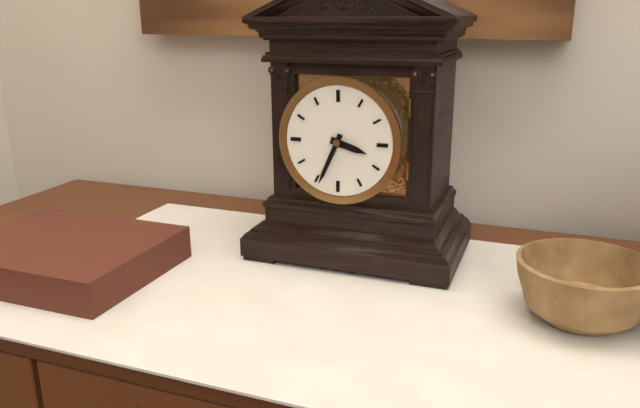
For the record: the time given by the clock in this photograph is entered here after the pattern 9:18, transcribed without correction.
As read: 3:34
